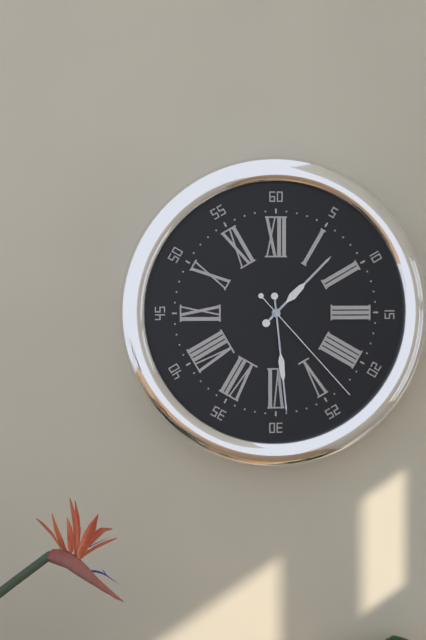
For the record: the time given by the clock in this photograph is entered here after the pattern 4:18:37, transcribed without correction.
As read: 1:29:23
